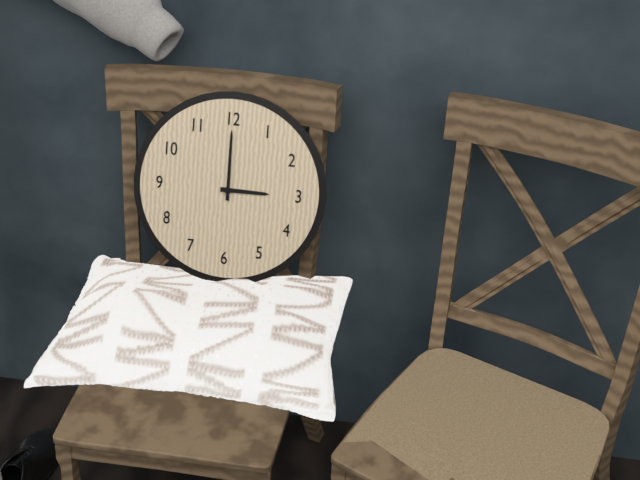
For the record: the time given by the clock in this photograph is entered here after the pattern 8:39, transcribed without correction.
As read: 3:00
